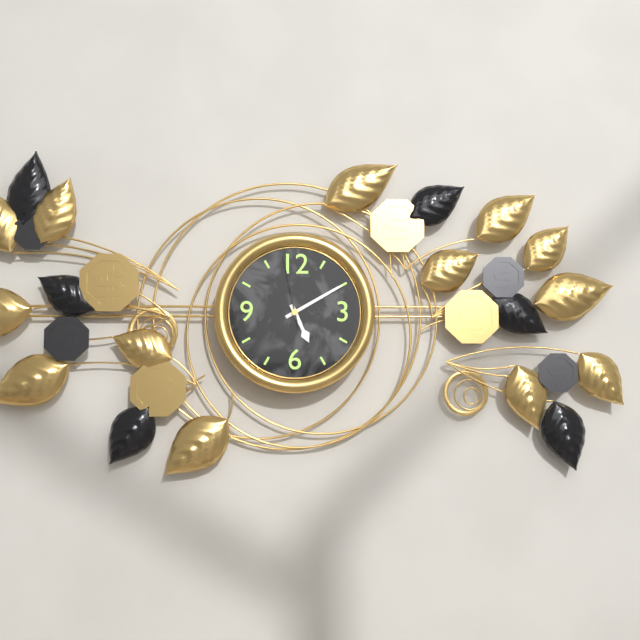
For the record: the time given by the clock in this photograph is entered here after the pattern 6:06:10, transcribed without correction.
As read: 5:10:58
